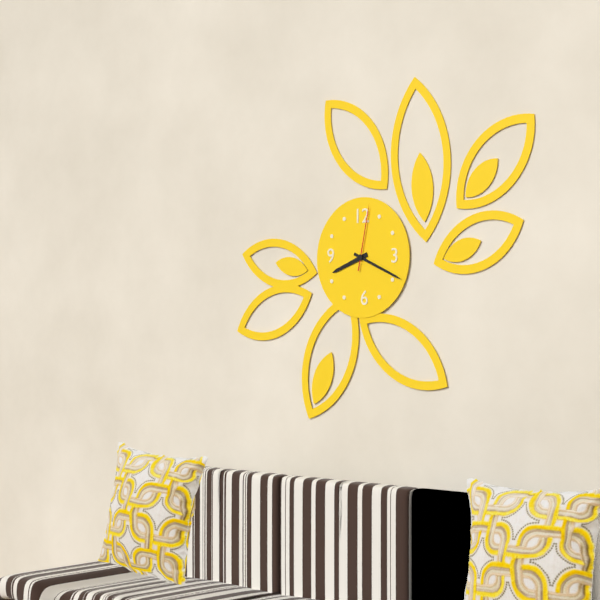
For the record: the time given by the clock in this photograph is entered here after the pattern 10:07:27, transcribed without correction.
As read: 8:19:02
